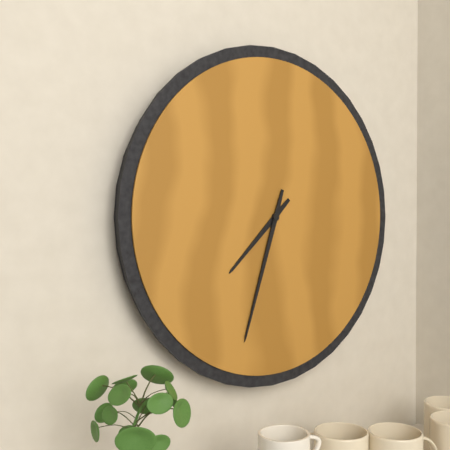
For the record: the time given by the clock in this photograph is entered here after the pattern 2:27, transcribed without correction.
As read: 7:33
